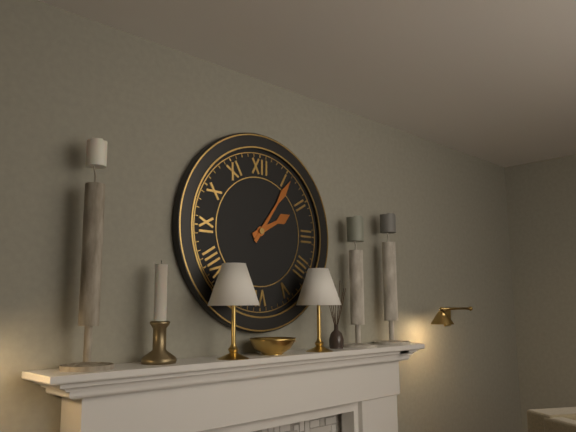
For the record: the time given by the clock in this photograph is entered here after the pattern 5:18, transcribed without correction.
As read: 2:06
